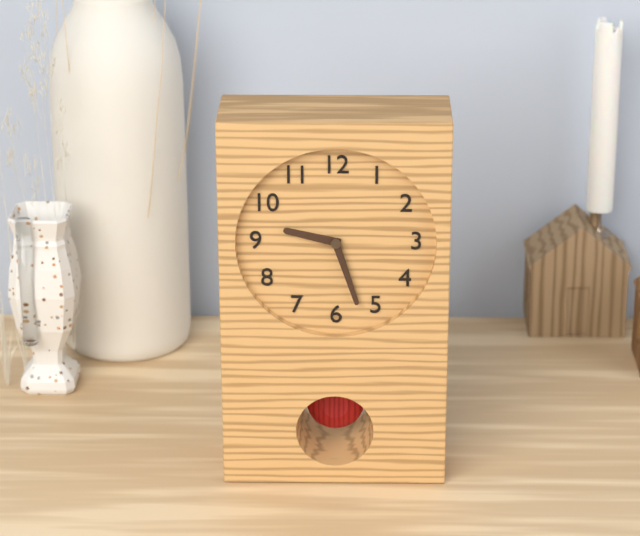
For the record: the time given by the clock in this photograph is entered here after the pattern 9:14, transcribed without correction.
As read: 9:27
